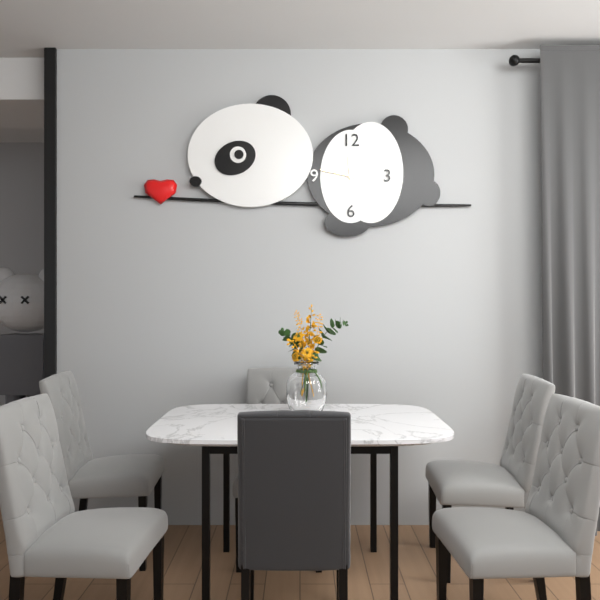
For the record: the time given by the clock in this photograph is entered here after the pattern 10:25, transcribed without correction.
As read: 11:47
